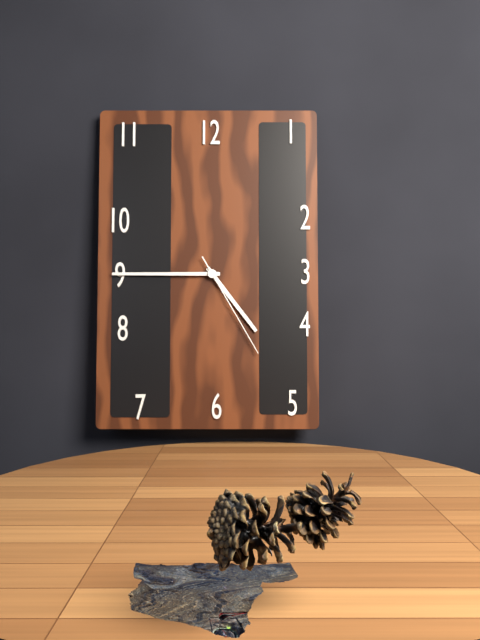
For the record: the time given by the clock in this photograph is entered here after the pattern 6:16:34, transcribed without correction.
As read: 4:45:25
